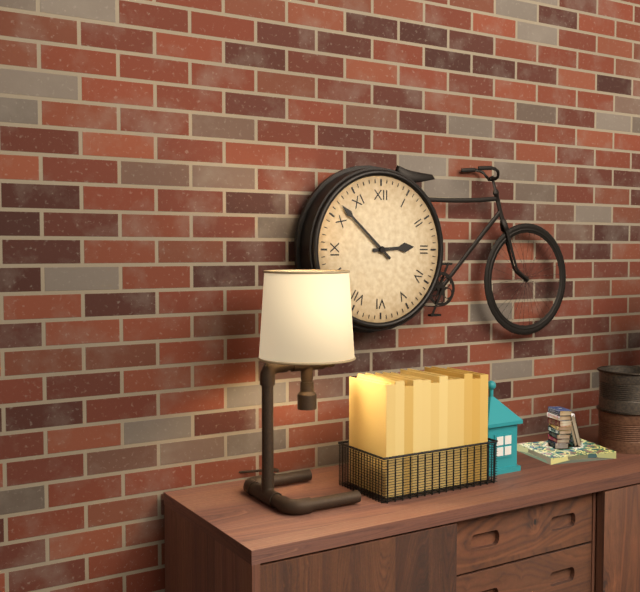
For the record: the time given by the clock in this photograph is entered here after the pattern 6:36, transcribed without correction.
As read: 2:52
